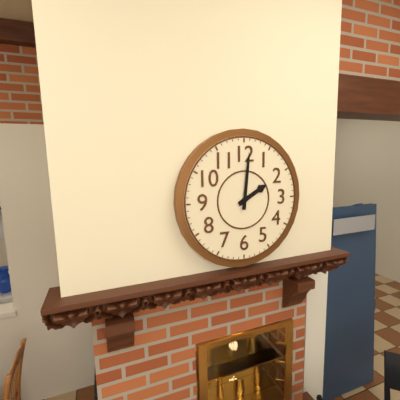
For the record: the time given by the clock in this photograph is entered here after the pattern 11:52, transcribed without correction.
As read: 2:01
